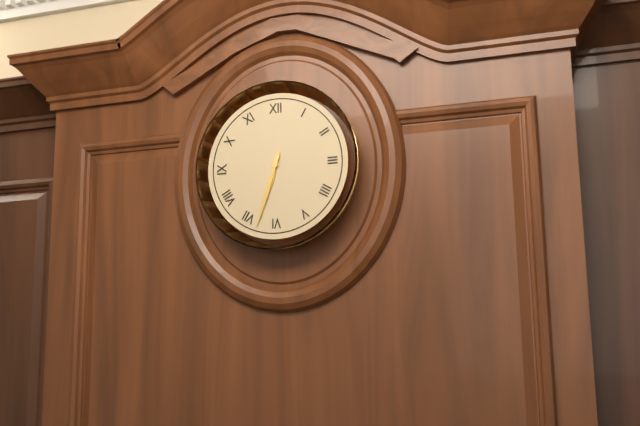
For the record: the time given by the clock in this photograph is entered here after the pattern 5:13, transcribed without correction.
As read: 6:33
